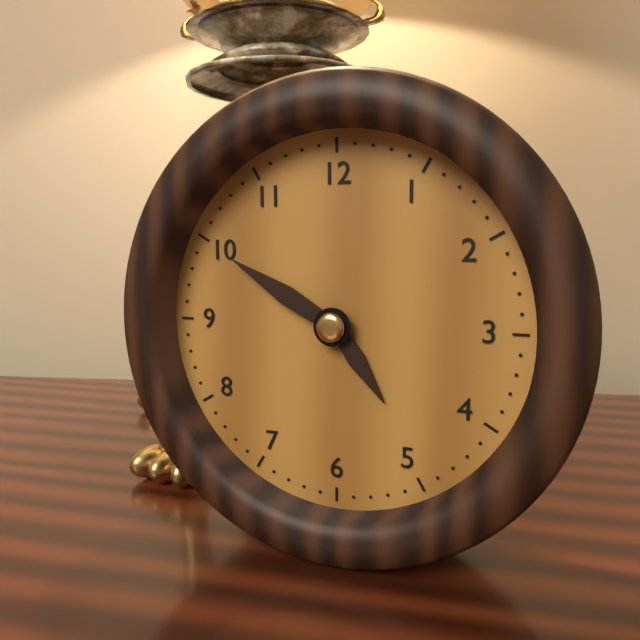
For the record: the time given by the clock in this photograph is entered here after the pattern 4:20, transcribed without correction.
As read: 4:50
